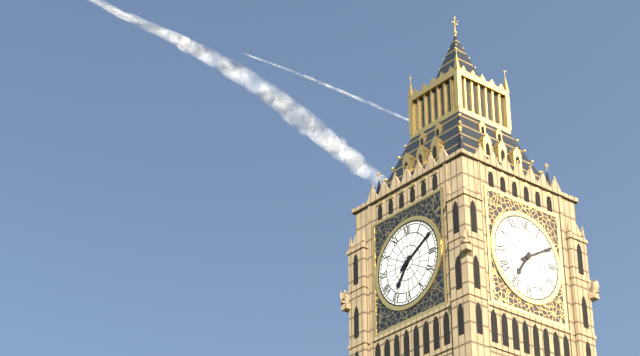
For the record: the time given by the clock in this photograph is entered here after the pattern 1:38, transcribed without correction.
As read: 7:10
